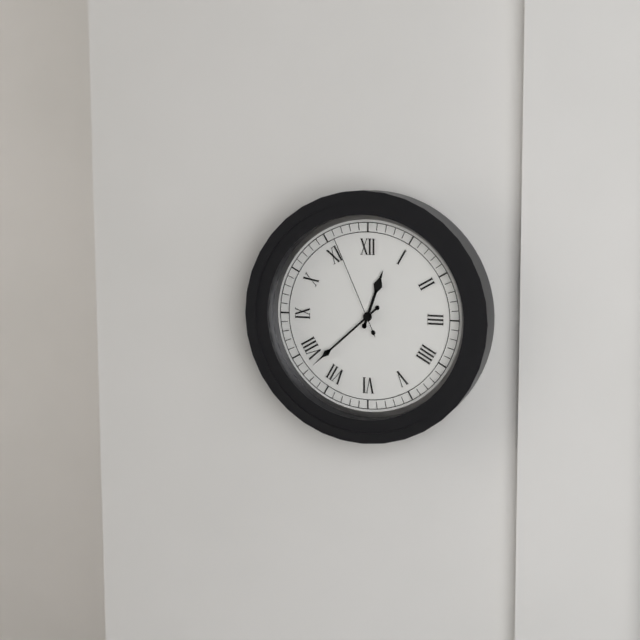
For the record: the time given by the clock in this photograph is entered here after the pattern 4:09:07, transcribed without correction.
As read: 12:38:56
